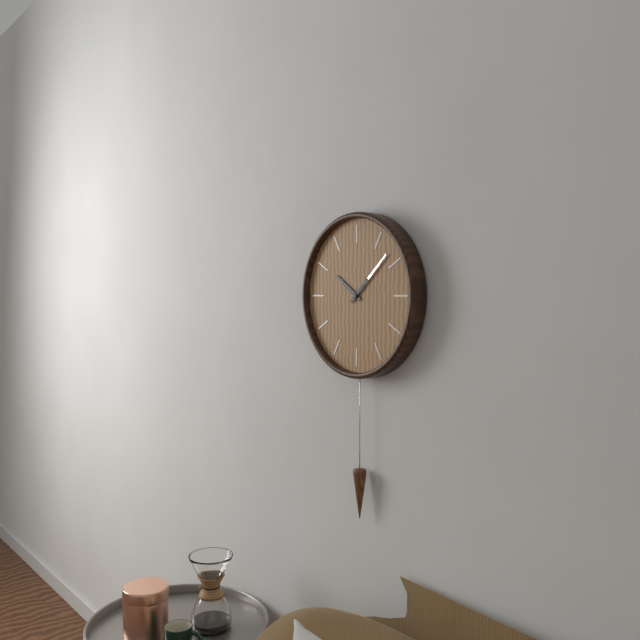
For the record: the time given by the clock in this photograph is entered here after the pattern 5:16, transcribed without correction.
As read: 10:08
